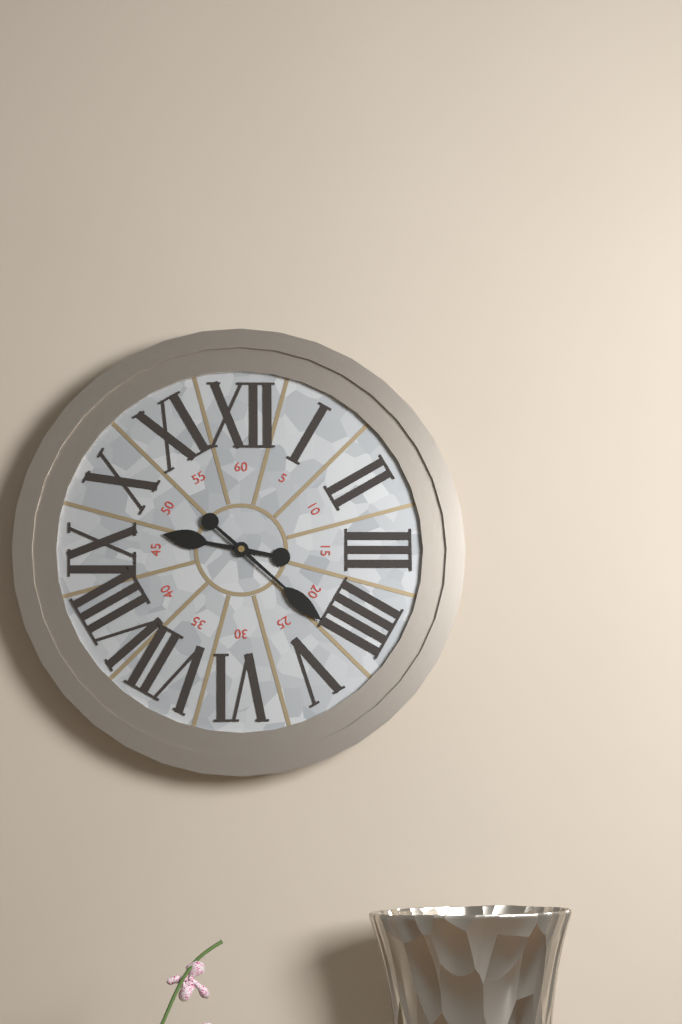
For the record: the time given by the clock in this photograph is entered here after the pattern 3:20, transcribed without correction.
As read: 9:22
